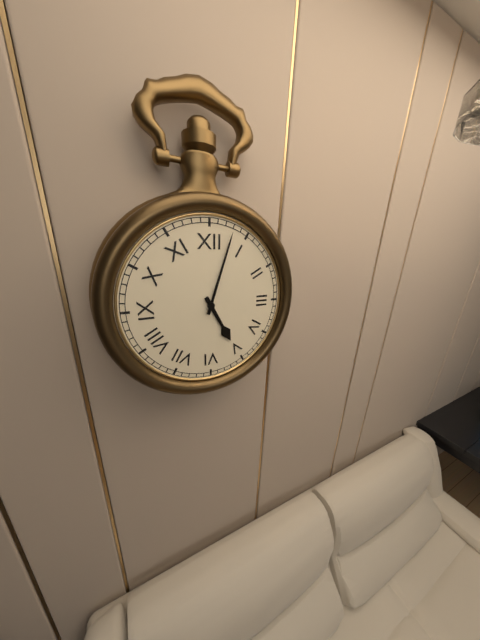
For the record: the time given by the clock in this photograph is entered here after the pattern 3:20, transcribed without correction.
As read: 5:03
